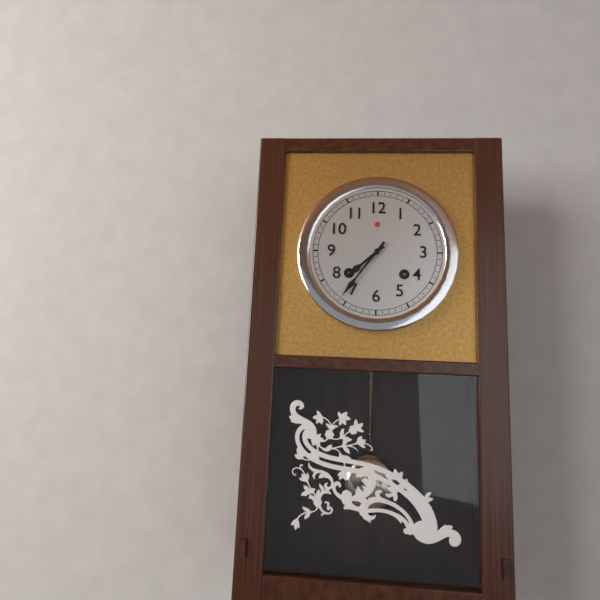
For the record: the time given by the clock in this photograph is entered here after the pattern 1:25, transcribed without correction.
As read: 7:36
